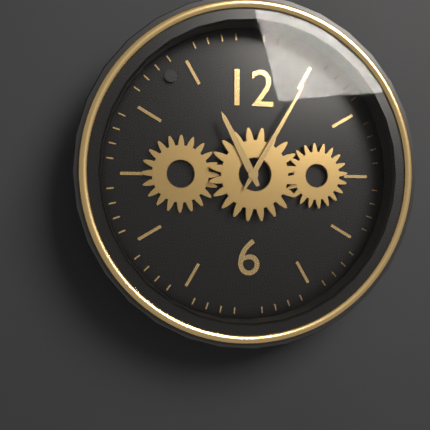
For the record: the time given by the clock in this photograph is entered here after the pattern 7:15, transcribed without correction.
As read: 11:05
